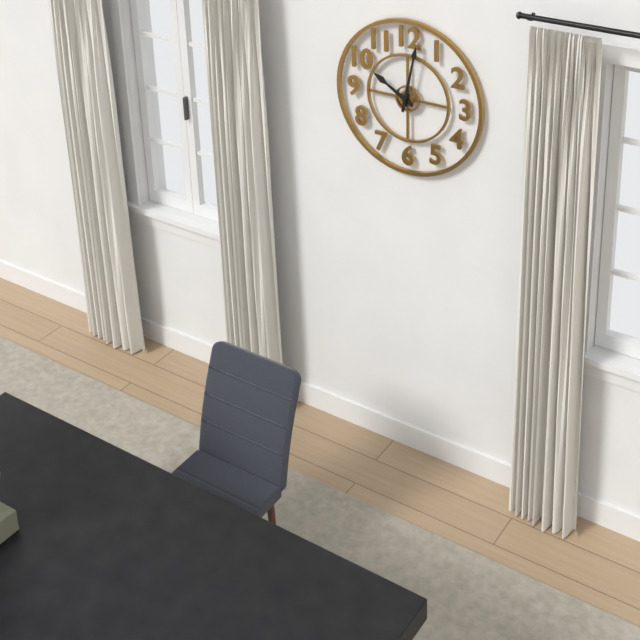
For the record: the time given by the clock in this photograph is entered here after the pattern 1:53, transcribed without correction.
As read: 10:02
